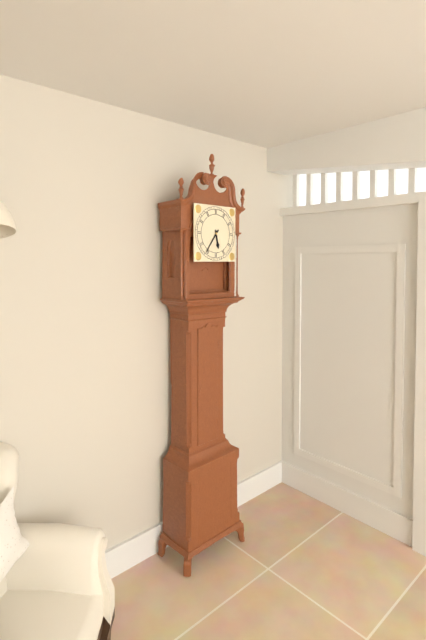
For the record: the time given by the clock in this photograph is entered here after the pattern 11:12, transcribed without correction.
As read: 5:36
